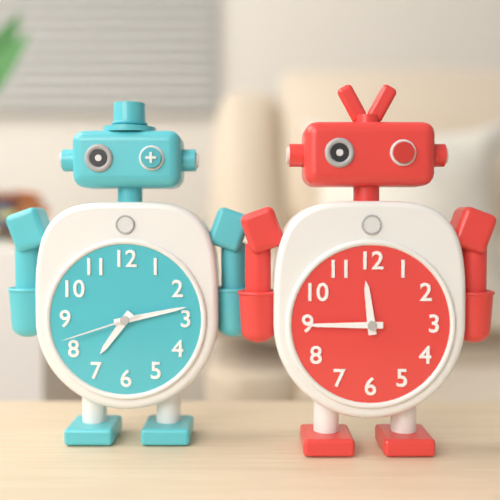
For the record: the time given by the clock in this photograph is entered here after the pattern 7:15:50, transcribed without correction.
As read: 7:13:42
